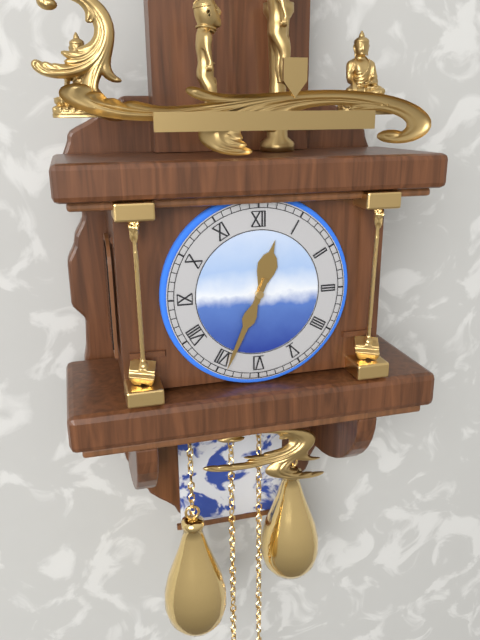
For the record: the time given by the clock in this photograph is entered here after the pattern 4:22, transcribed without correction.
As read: 12:34
